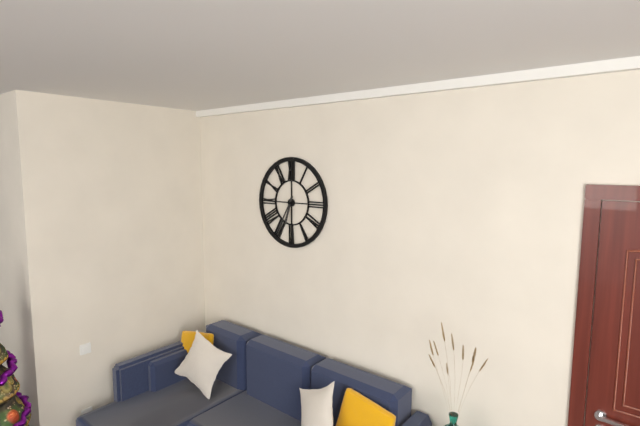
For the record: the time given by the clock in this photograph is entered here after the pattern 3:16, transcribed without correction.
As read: 6:35
